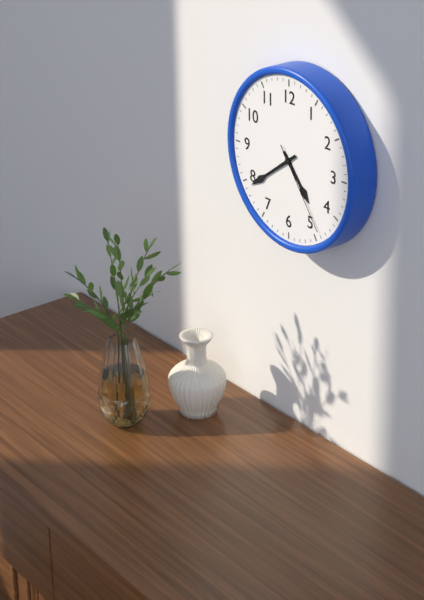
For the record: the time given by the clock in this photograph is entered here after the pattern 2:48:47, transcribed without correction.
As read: 4:39:24
